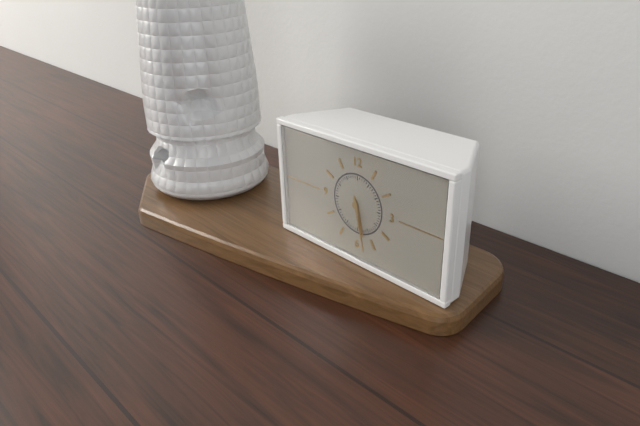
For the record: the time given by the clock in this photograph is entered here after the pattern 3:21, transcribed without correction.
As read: 5:28
